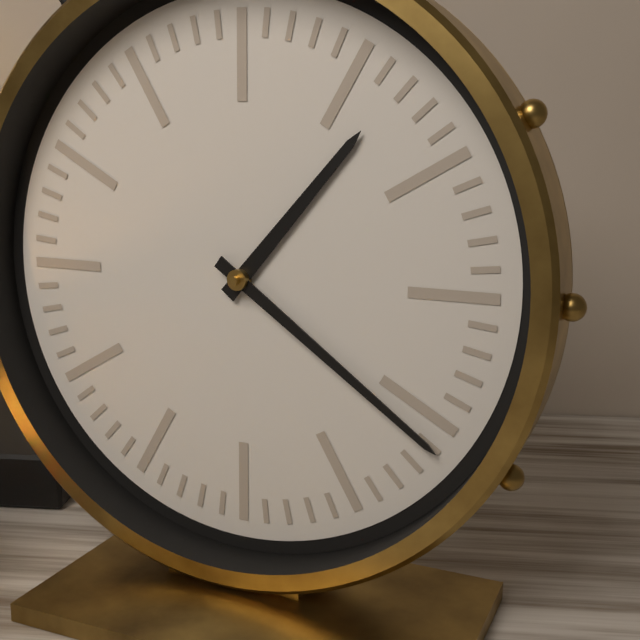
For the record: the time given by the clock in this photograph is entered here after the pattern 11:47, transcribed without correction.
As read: 1:21
